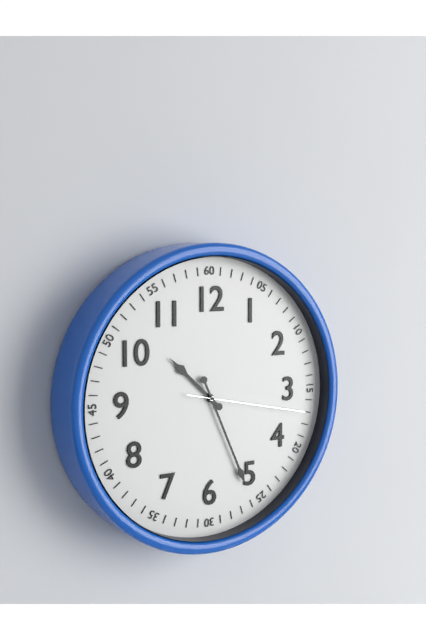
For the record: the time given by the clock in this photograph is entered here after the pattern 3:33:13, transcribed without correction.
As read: 10:26:17
